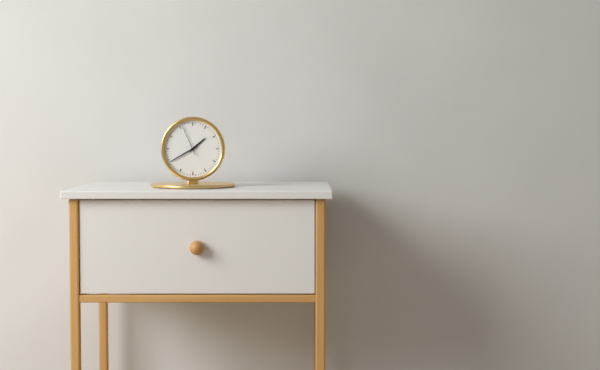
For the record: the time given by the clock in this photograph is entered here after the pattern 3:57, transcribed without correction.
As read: 1:40
